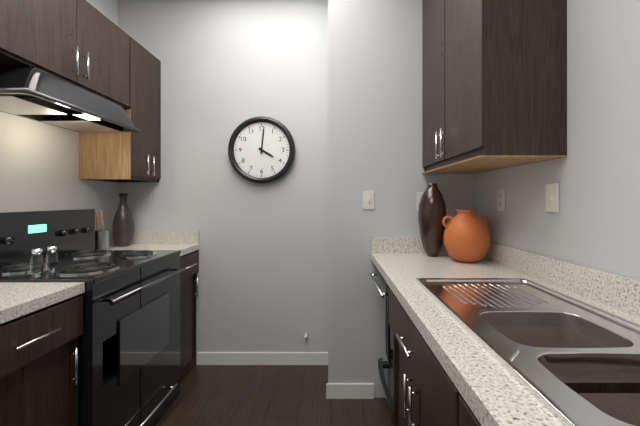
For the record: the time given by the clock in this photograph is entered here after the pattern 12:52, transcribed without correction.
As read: 4:01
